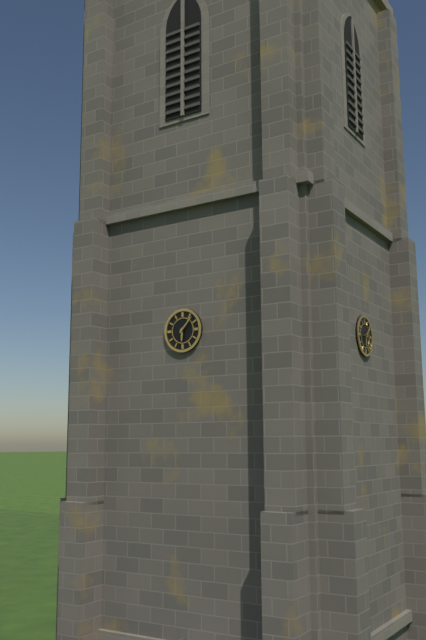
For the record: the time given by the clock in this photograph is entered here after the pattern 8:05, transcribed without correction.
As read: 6:07
